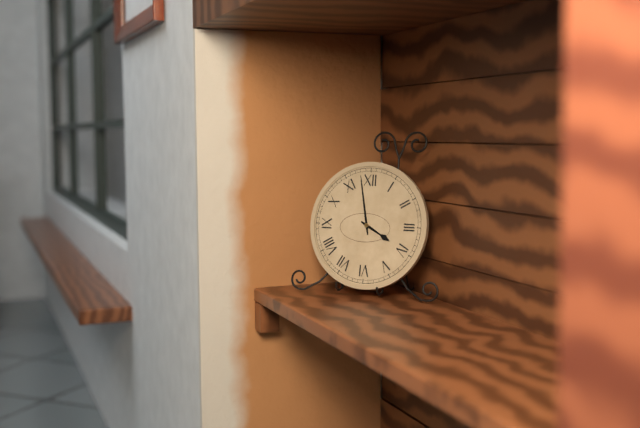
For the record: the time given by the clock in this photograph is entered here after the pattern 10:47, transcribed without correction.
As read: 3:58
